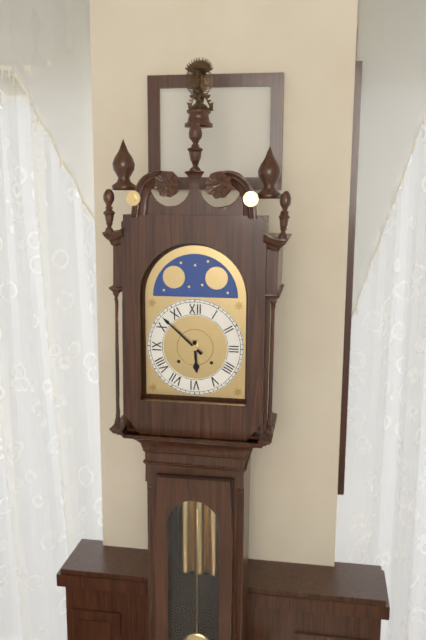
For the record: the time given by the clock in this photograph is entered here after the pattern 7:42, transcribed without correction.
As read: 5:52
